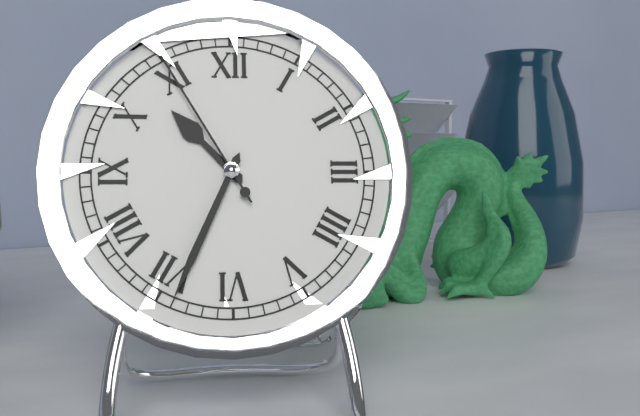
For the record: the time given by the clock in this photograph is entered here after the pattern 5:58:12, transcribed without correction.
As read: 10:34:55
